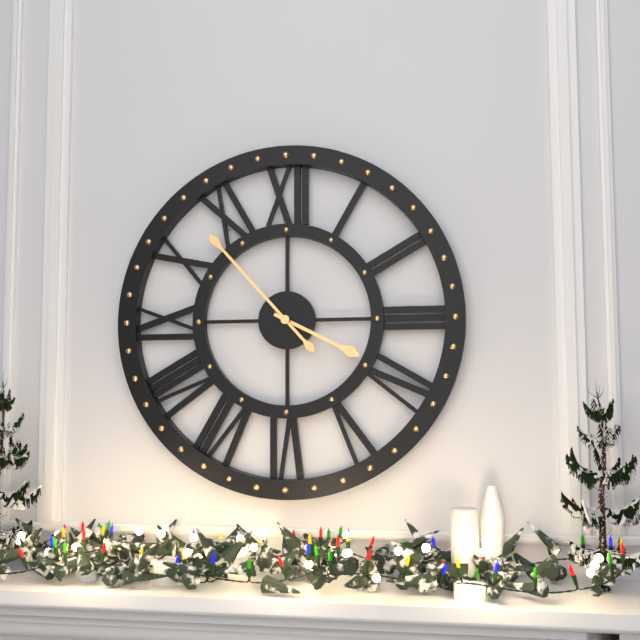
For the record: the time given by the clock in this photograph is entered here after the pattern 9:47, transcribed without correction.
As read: 3:53
